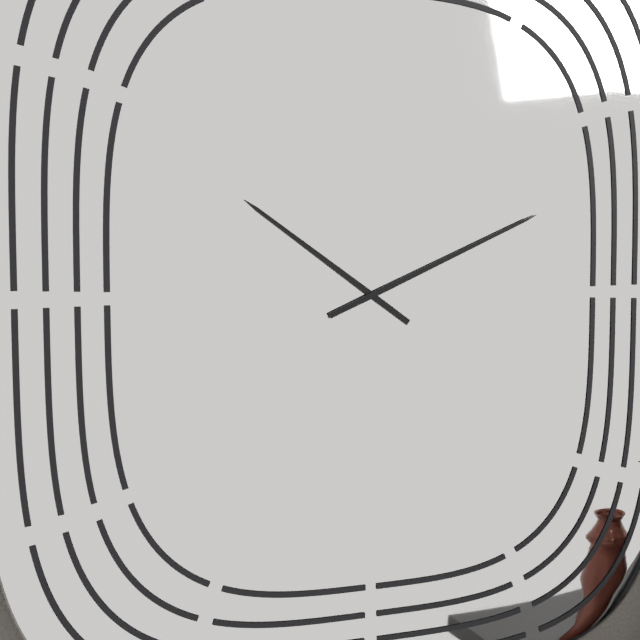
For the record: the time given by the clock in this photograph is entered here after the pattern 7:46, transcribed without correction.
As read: 10:11
